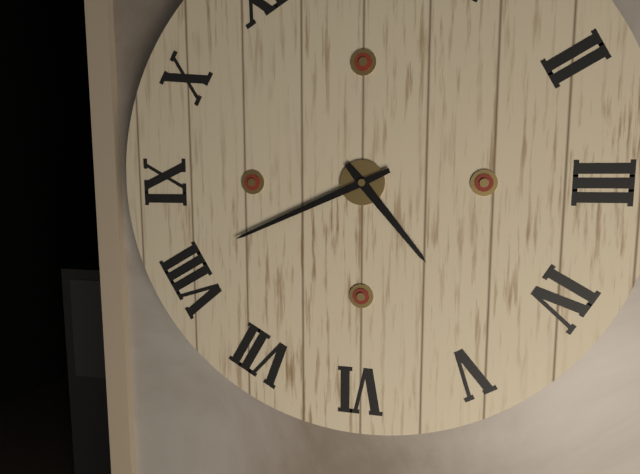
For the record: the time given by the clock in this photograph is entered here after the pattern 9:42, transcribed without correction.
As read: 4:41
